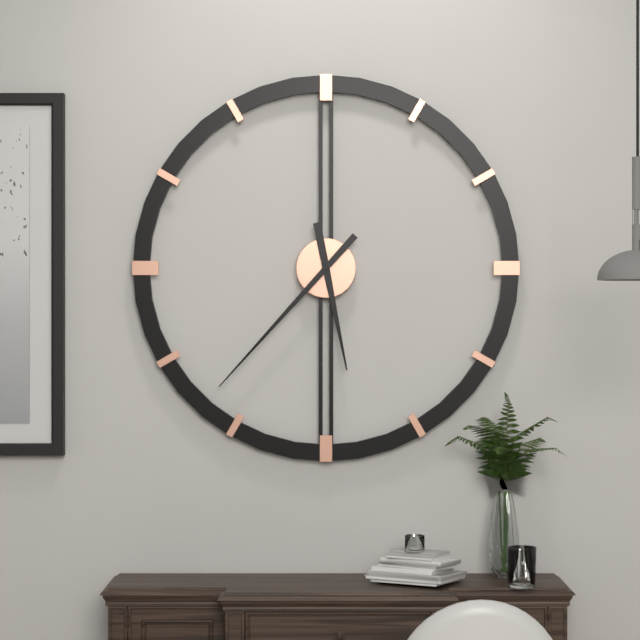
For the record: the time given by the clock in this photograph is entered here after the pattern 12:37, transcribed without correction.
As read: 5:37
